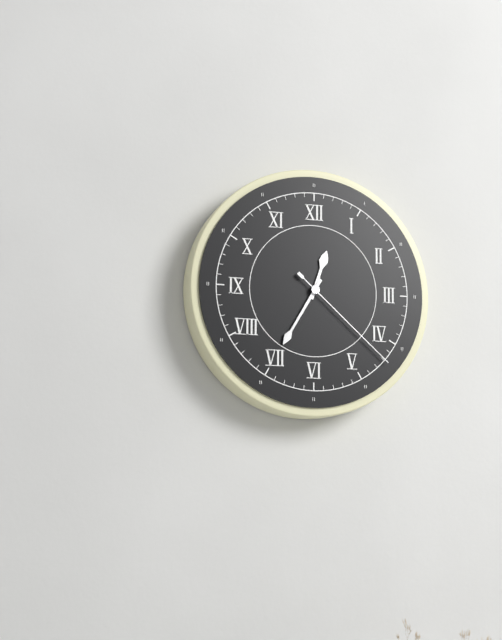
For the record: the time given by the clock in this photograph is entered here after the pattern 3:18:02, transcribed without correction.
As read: 12:35:22
